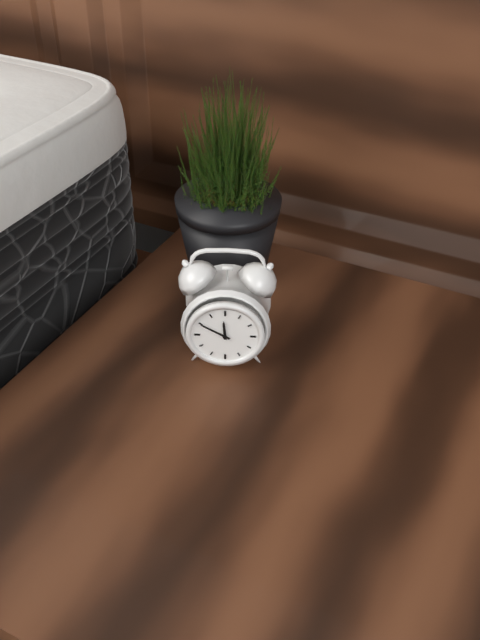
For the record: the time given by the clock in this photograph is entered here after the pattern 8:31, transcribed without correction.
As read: 11:50
